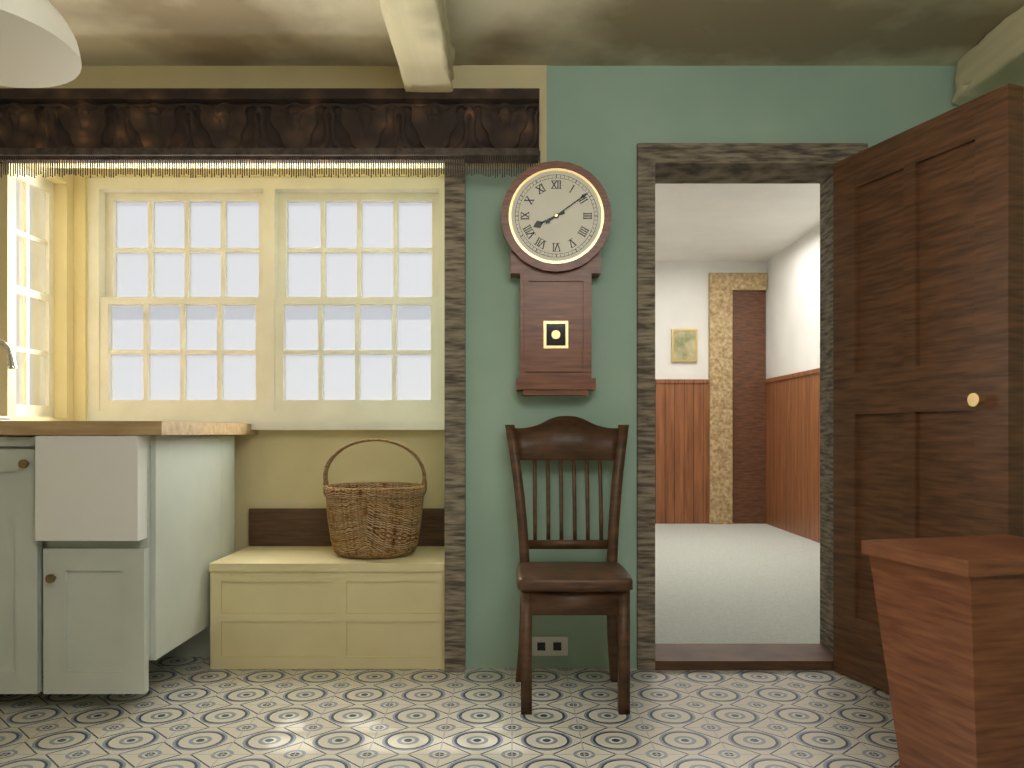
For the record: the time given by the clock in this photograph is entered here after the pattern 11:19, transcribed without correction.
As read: 8:09
